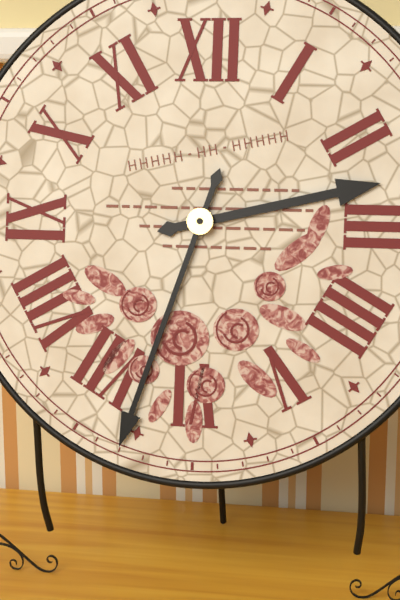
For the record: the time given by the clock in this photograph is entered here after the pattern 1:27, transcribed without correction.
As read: 2:33
